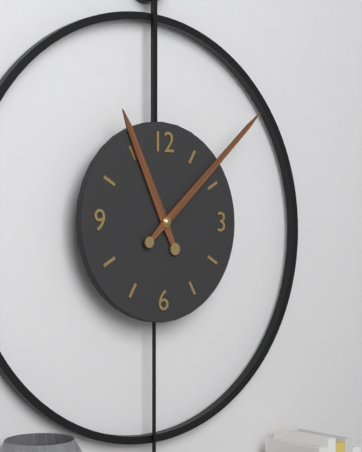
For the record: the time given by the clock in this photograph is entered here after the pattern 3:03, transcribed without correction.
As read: 11:08
